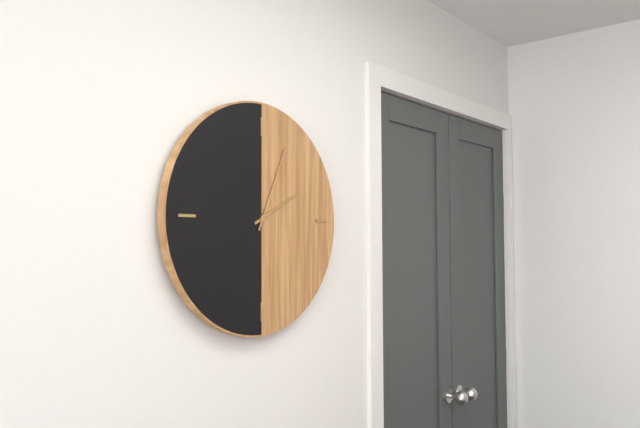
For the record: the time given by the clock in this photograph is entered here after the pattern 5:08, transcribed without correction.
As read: 2:04
